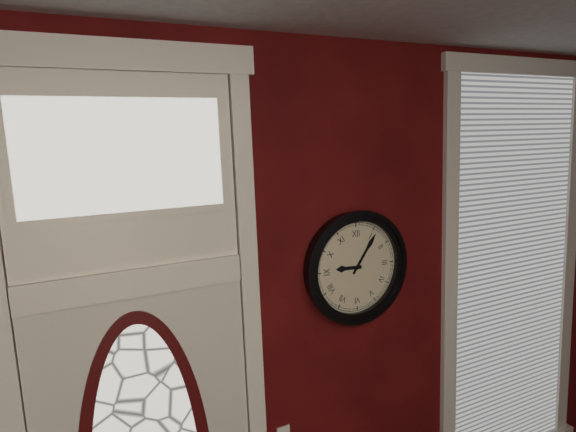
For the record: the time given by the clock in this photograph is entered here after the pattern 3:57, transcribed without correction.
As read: 9:06
